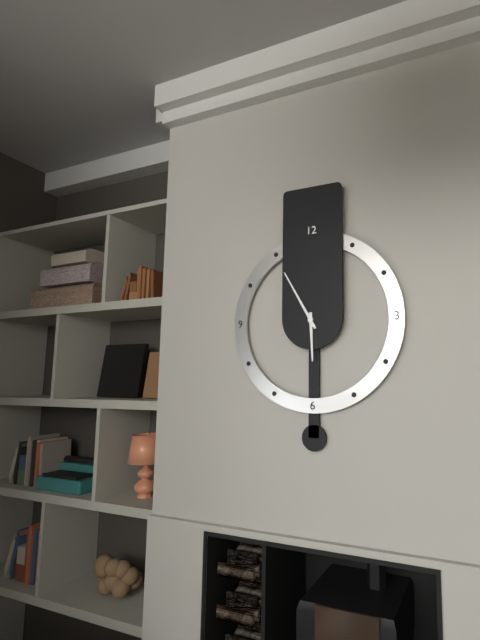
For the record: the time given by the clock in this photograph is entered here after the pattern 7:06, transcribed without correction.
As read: 5:55
